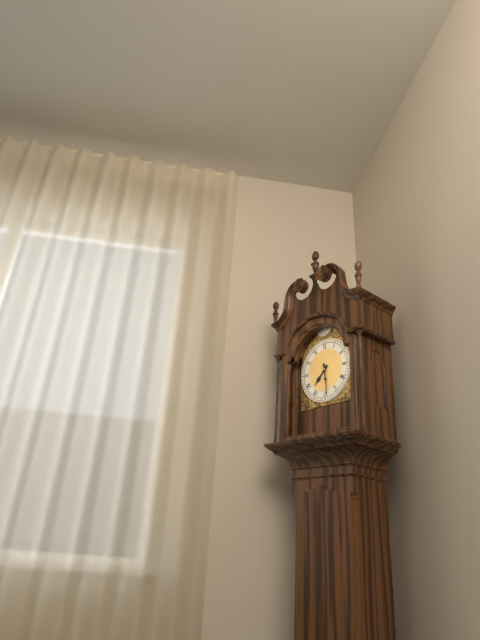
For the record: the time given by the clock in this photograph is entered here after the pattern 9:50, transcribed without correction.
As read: 7:29
